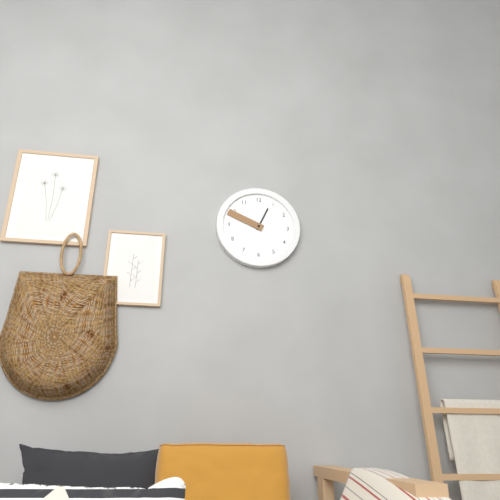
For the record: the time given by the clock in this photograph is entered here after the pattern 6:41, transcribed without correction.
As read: 12:49
